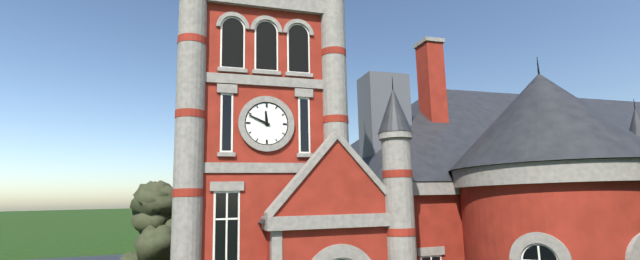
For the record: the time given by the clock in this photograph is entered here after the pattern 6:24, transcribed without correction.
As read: 11:49
